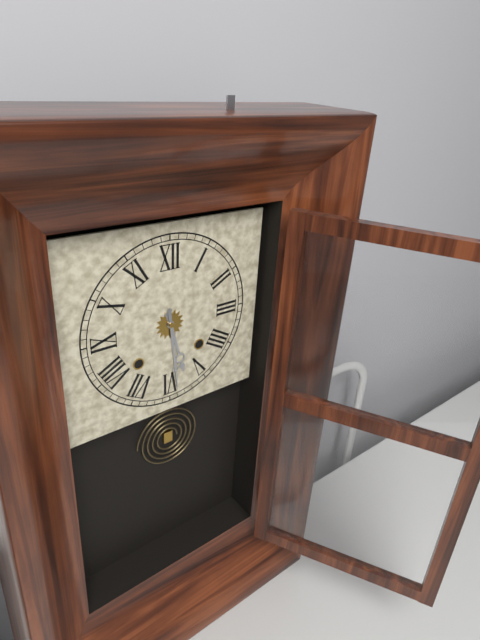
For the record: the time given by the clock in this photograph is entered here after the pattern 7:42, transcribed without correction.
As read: 5:29
